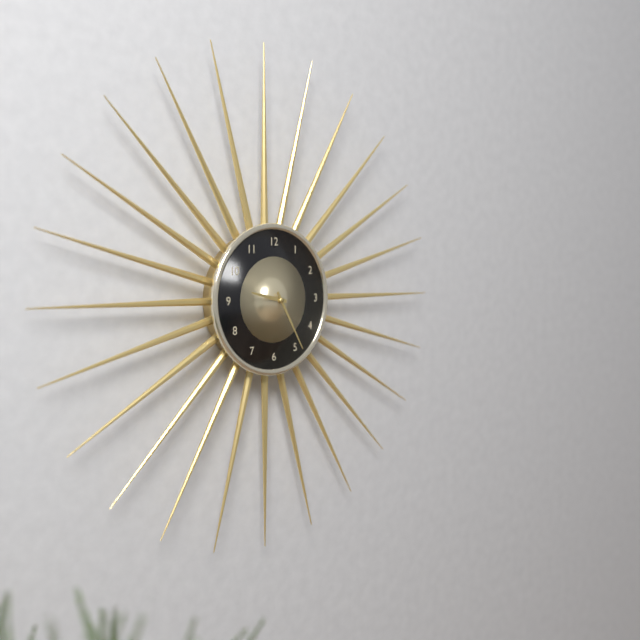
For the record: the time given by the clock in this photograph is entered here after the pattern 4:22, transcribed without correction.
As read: 9:25
